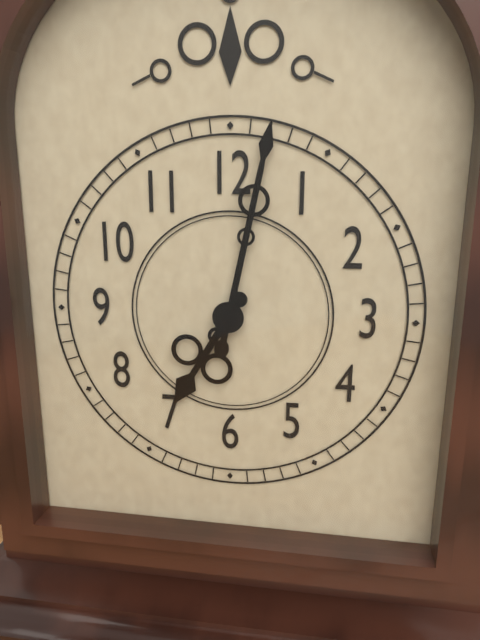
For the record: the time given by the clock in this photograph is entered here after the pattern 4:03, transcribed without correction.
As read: 7:02
